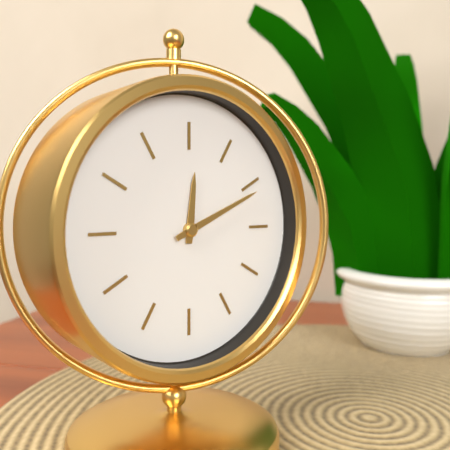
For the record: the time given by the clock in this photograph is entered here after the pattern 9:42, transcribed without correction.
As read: 12:11
